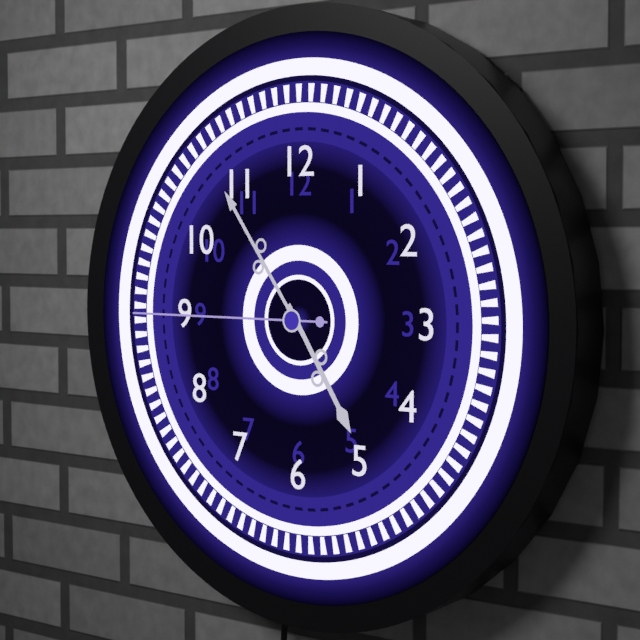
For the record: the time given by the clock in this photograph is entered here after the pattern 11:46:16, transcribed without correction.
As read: 4:54:45
